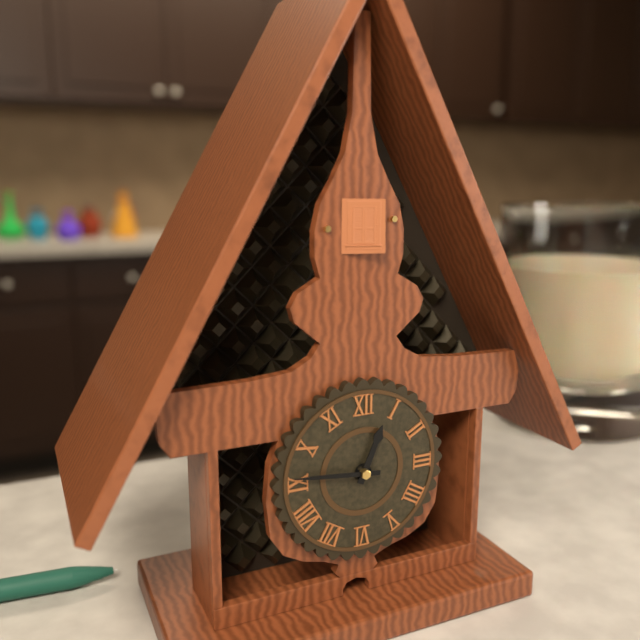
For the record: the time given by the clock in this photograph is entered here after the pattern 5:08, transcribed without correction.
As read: 12:46
